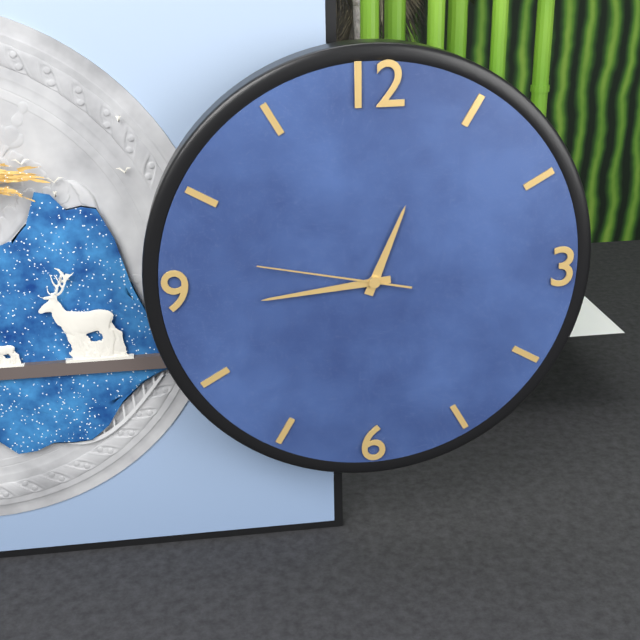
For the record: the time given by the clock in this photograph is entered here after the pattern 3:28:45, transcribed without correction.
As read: 12:44:47
